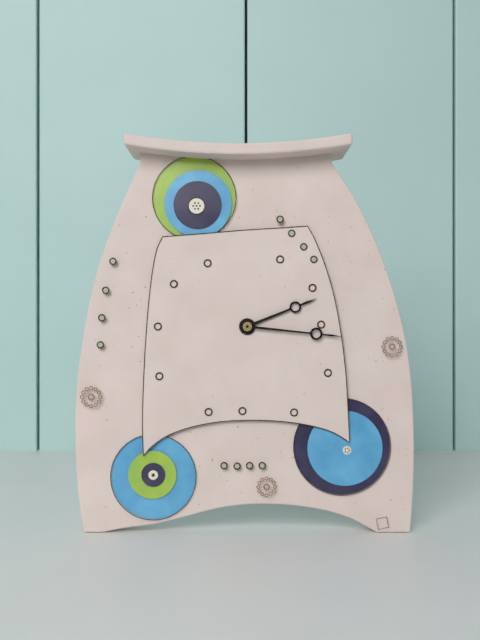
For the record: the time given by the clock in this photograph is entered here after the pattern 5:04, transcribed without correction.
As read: 2:16
